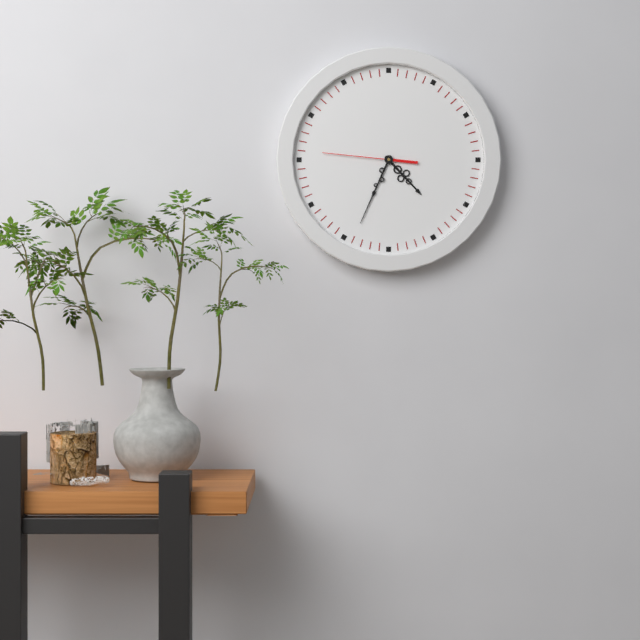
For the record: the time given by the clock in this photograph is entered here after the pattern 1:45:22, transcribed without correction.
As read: 4:34:46
